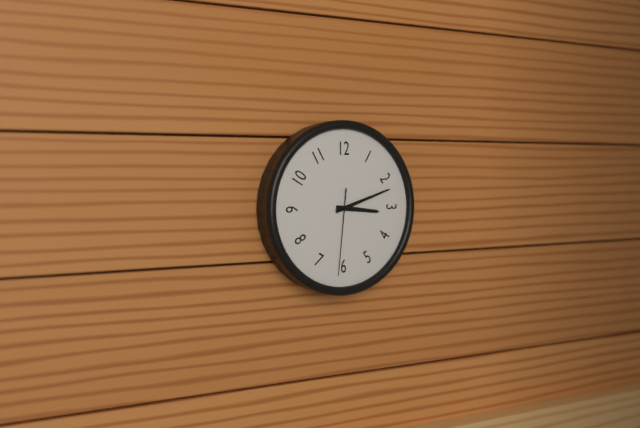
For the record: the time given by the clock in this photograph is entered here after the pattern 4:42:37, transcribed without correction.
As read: 3:12:31
